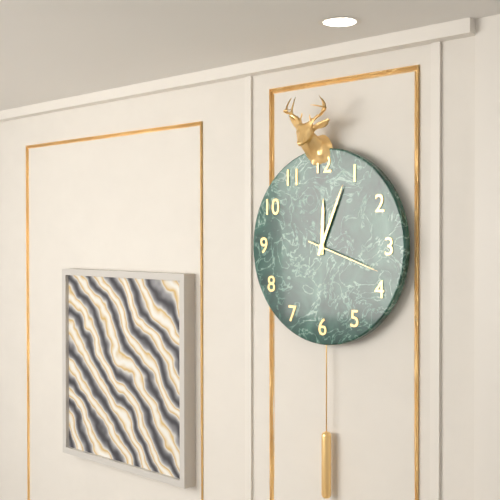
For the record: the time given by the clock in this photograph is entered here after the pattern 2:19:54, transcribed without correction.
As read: 12:04:18
